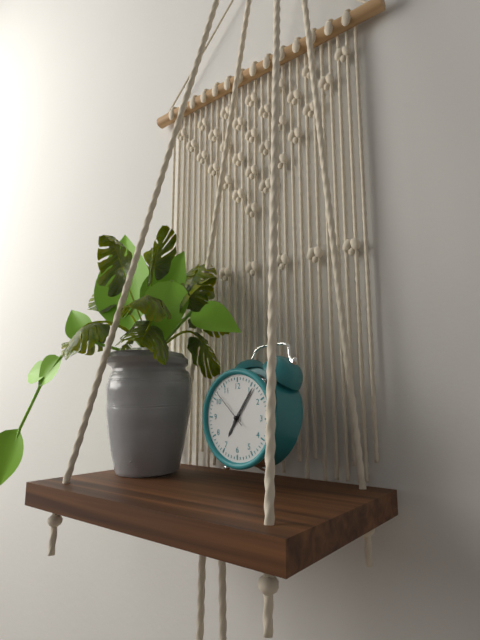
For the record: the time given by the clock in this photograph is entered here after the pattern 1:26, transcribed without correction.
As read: 7:06
